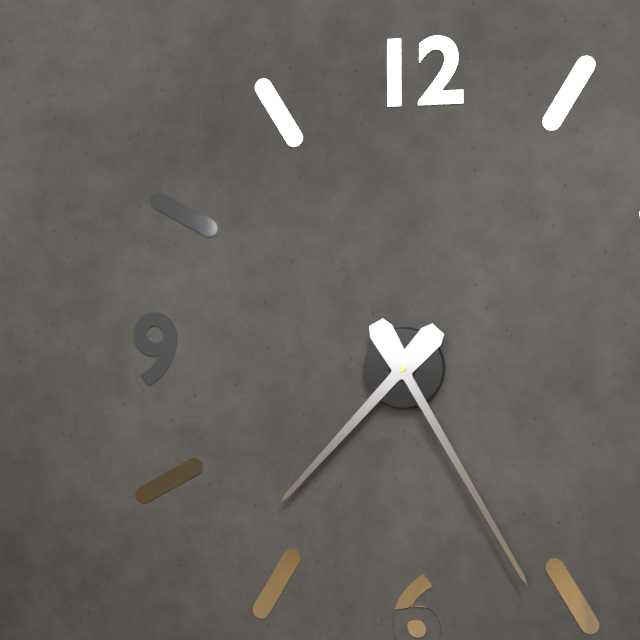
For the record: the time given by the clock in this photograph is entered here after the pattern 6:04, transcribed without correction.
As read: 7:25
